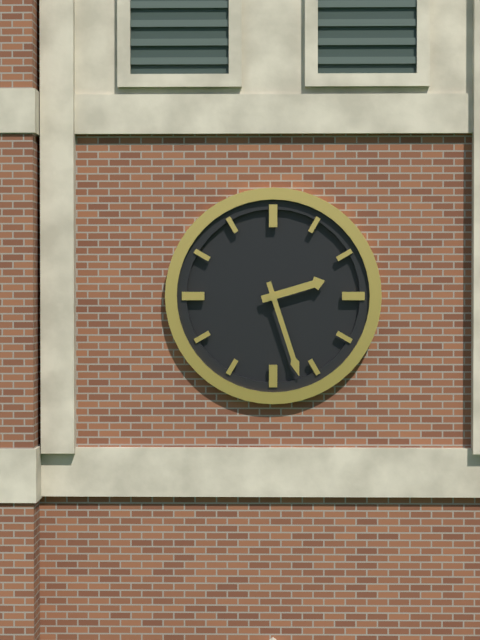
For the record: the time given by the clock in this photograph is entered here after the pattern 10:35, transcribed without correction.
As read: 2:27
